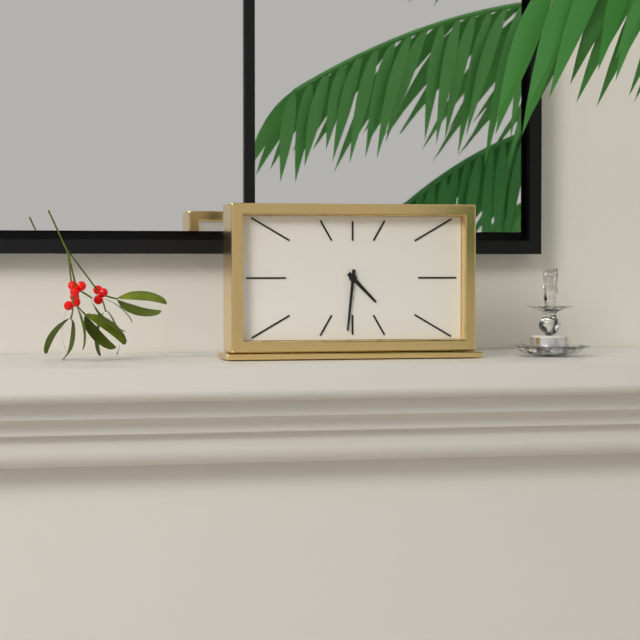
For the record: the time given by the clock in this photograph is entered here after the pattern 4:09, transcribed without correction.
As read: 4:31
